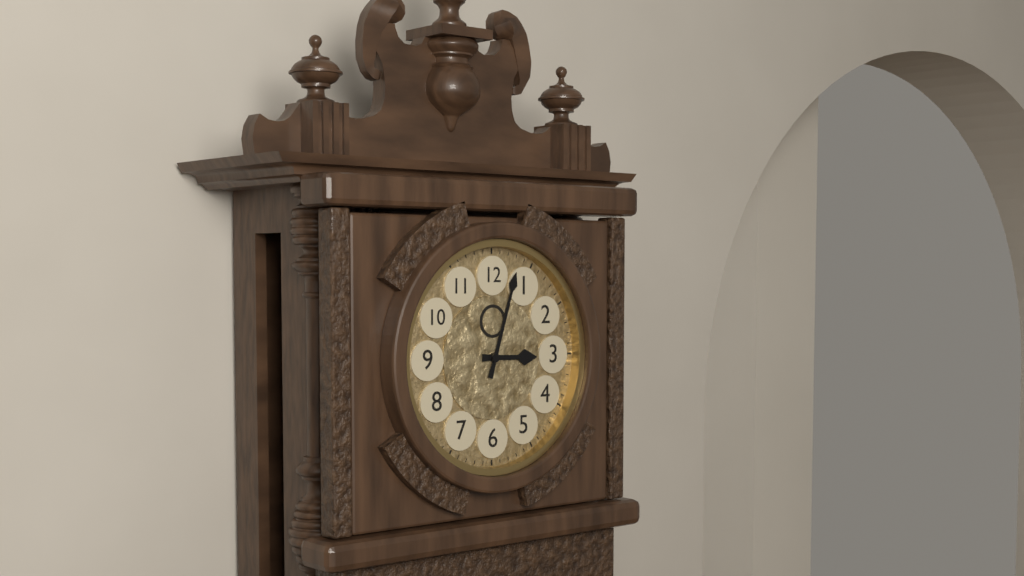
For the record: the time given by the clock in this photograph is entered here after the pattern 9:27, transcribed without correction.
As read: 3:03
